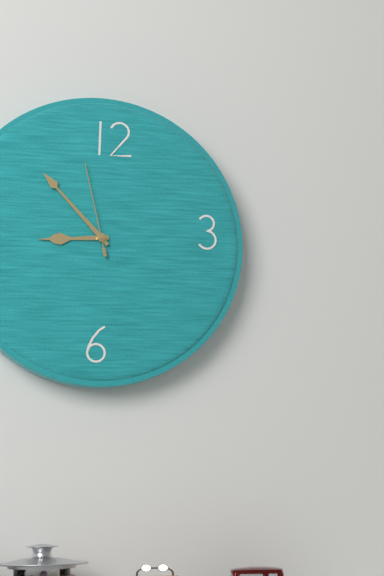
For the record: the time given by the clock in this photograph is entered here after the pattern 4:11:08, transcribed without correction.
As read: 8:53:58
